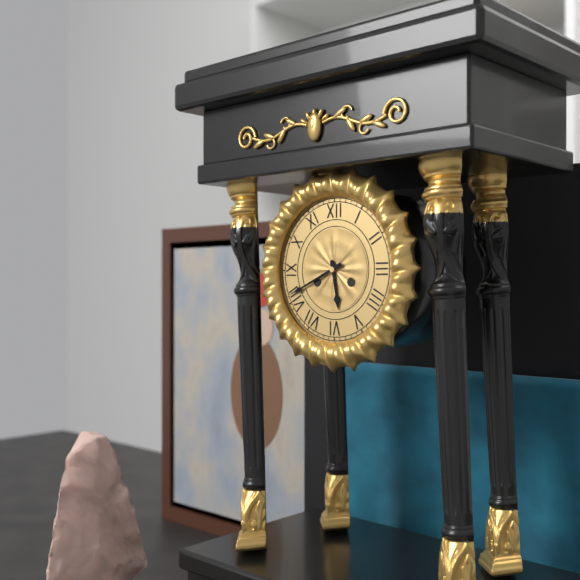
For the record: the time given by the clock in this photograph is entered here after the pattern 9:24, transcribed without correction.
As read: 5:41
